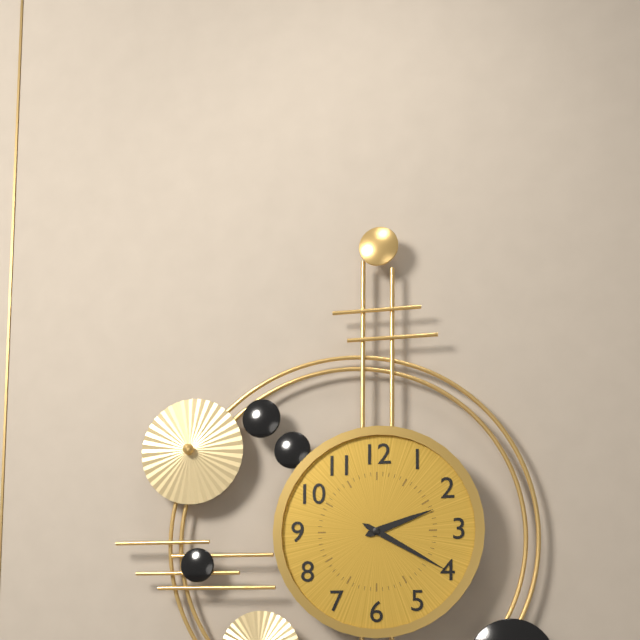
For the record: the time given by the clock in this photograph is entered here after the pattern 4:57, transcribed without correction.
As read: 2:20
